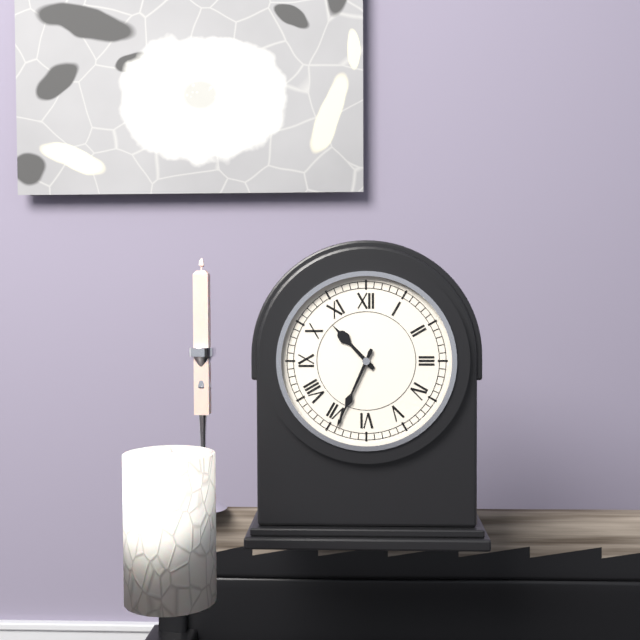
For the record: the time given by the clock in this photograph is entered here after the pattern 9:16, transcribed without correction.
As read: 10:34
